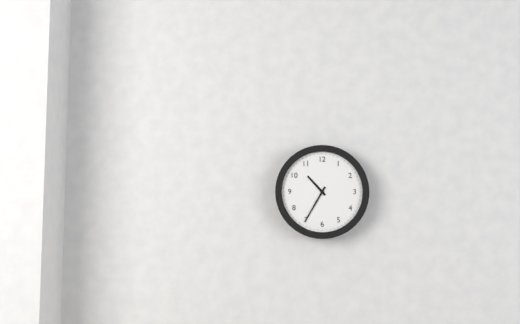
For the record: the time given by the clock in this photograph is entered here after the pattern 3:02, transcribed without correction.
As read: 10:35
